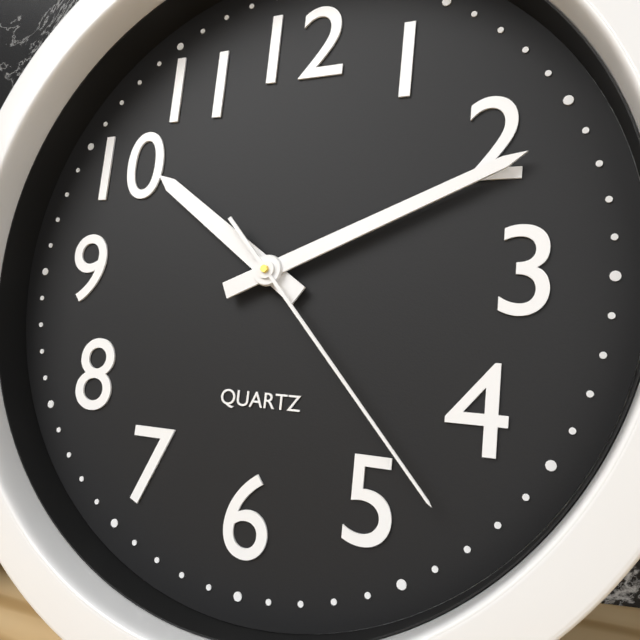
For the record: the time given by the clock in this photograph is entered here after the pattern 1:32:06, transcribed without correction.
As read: 10:11:23
